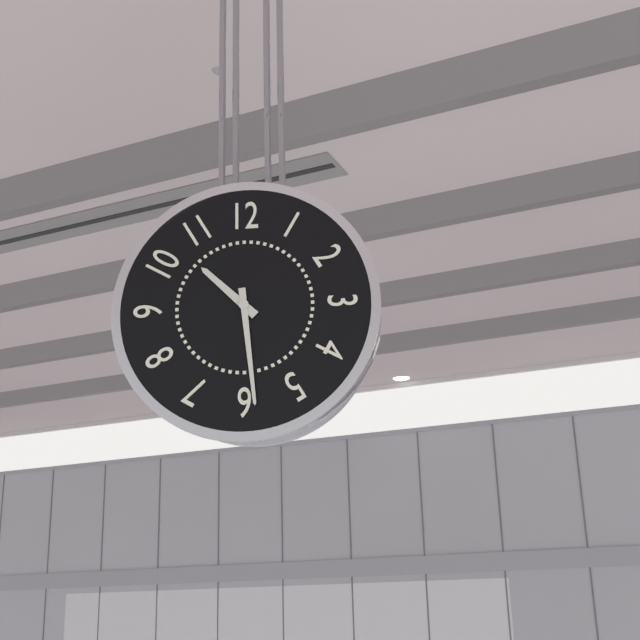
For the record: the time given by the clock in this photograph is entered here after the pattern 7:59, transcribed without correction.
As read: 10:29
